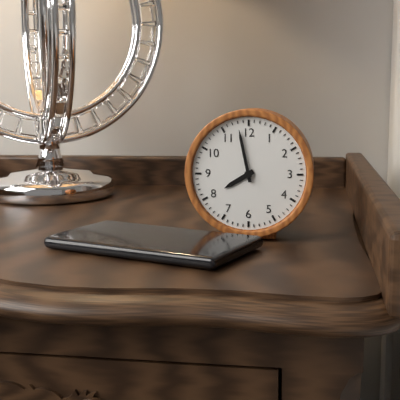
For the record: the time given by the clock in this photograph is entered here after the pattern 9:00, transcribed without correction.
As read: 7:58
